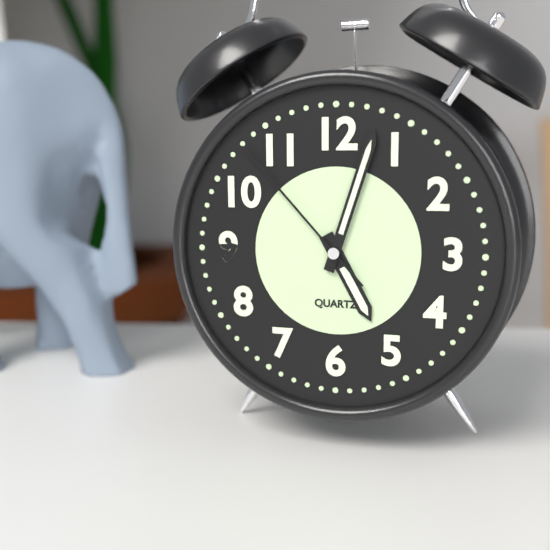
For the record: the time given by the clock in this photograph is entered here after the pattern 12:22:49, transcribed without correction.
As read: 5:03:53
